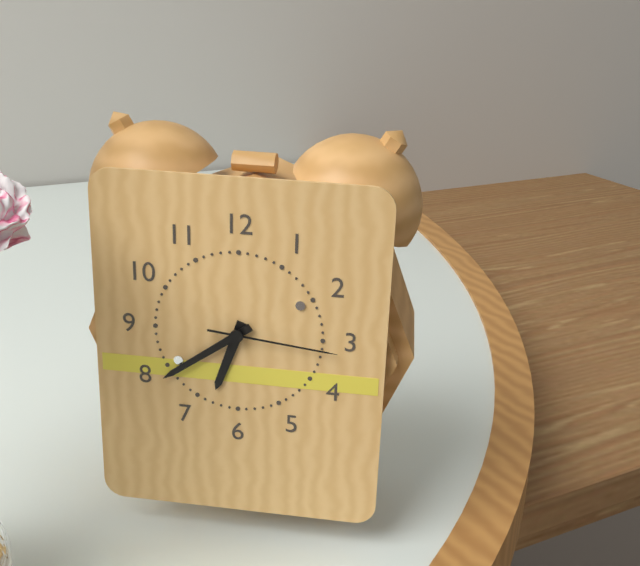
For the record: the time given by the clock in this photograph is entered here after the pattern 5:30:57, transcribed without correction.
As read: 6:39:16
